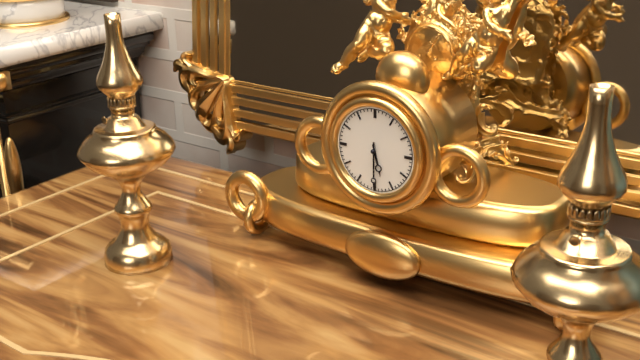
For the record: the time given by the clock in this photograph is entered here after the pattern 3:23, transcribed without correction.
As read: 5:30
